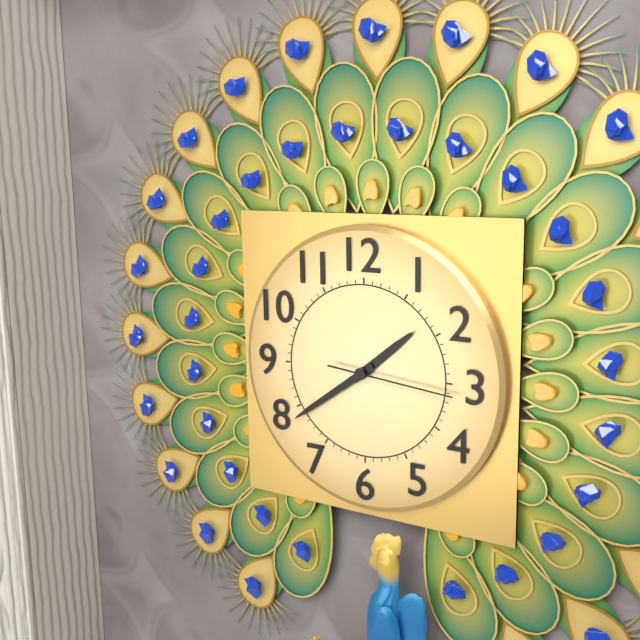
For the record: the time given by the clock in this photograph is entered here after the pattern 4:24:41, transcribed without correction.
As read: 1:39:16
